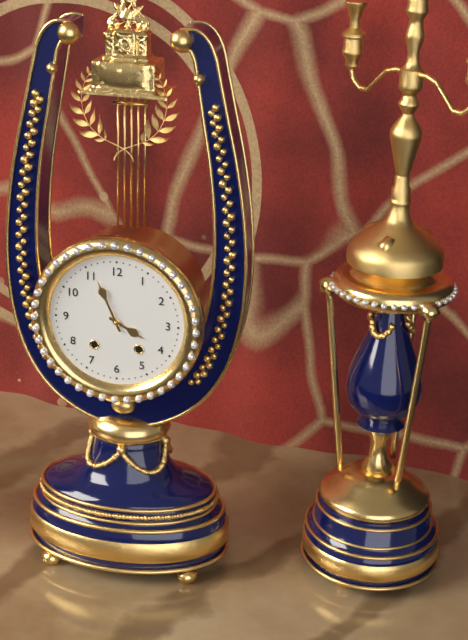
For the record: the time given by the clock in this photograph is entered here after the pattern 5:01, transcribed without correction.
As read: 3:56
